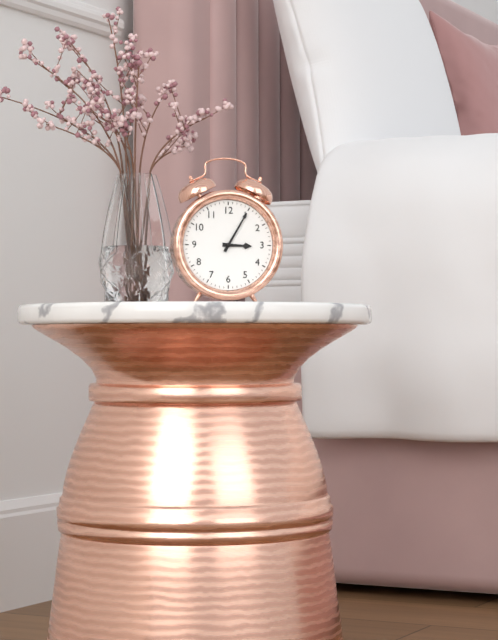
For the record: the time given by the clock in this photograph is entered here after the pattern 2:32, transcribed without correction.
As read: 3:05
